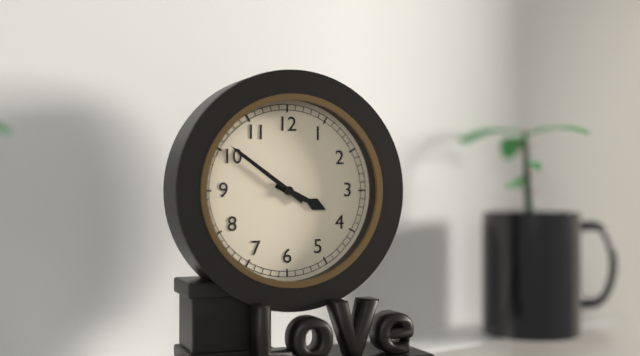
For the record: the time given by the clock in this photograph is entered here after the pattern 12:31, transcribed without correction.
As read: 3:51
